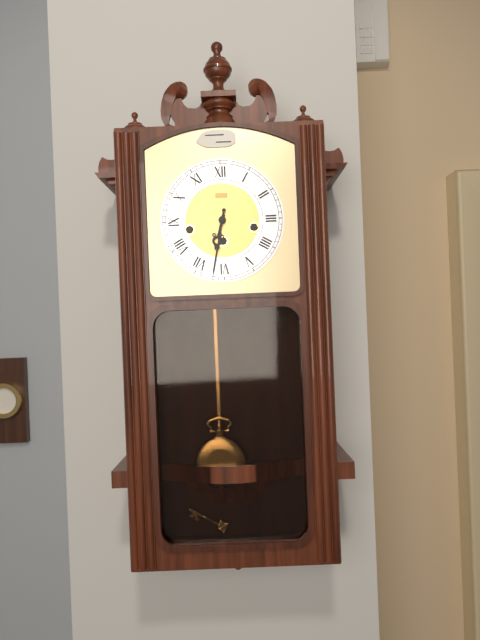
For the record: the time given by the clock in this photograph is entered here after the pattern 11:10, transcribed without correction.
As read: 6:32
